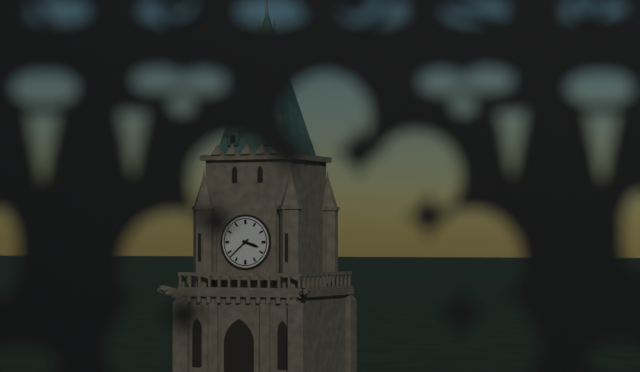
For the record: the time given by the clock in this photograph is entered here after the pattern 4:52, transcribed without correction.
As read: 3:38
